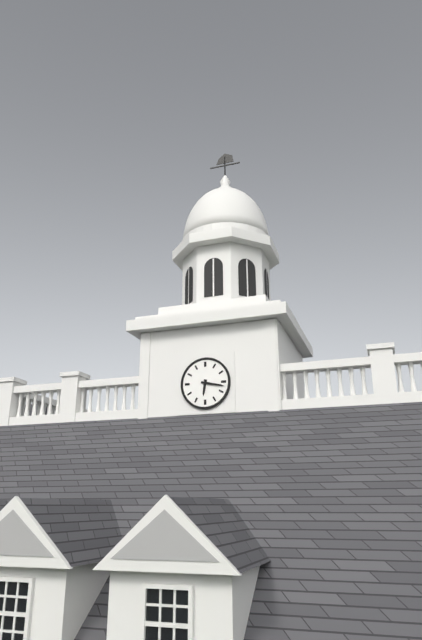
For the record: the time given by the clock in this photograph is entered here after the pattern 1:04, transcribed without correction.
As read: 6:17
